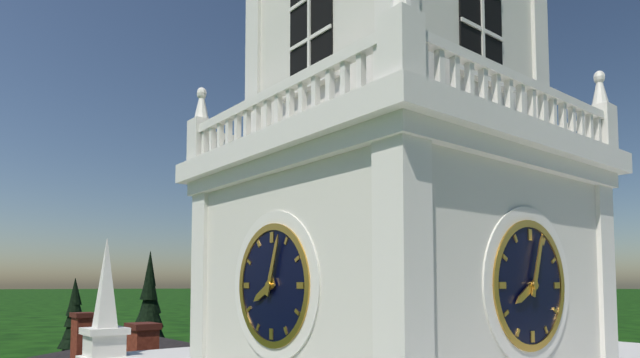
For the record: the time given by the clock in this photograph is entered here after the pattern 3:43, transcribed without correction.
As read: 8:03
